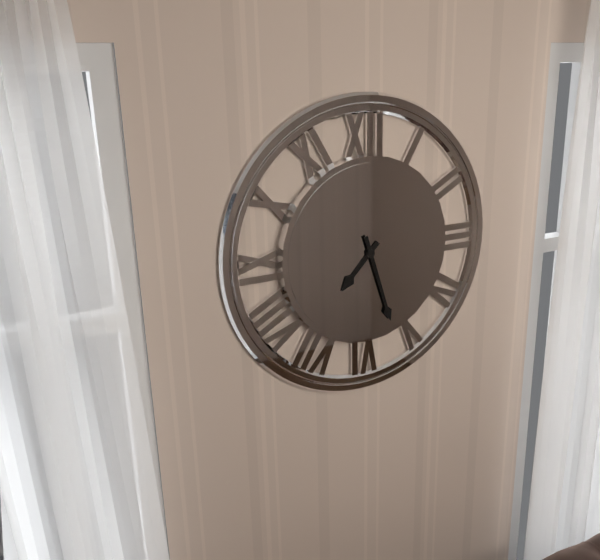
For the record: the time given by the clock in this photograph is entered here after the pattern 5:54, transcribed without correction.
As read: 7:27
